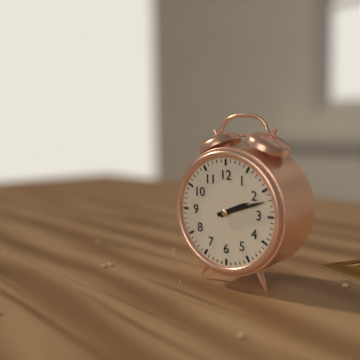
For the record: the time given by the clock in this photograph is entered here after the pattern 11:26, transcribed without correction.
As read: 2:12
